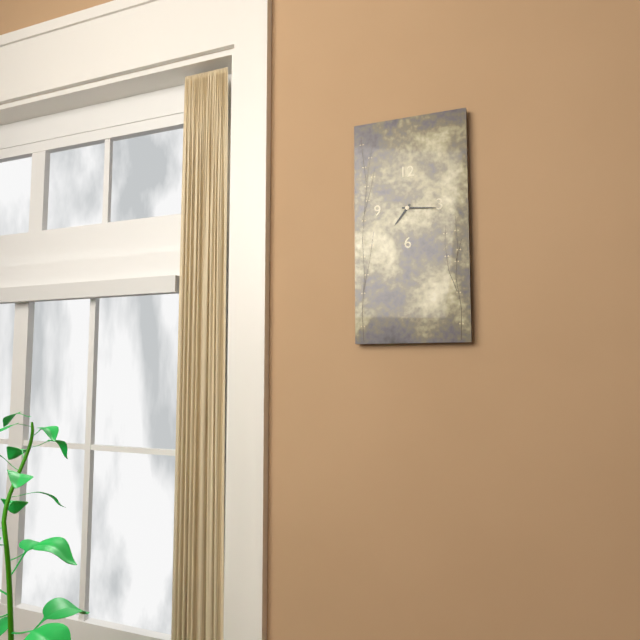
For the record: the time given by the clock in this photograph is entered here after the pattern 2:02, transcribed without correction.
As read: 7:16
